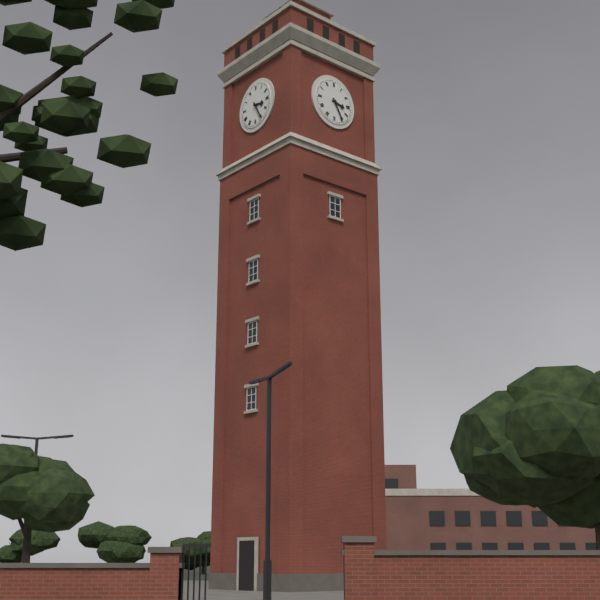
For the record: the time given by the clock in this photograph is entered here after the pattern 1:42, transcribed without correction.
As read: 3:25
